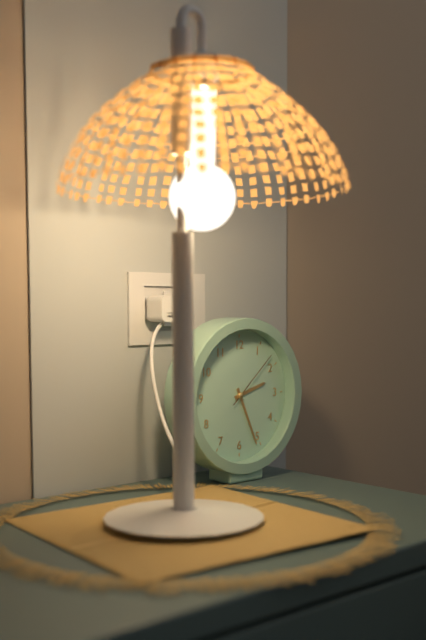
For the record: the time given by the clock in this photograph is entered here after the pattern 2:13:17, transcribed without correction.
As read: 2:26:08
